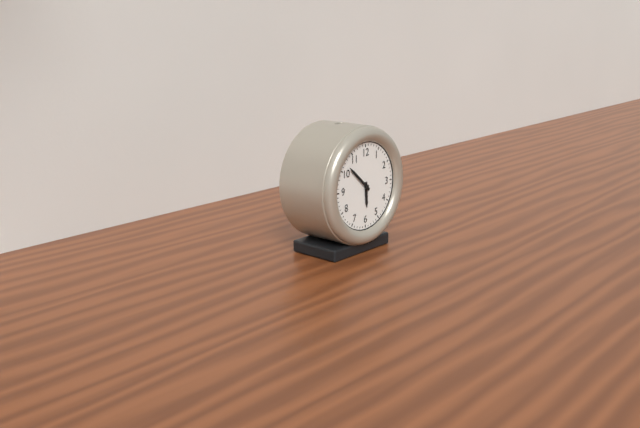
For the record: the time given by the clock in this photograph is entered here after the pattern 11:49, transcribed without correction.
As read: 5:52
